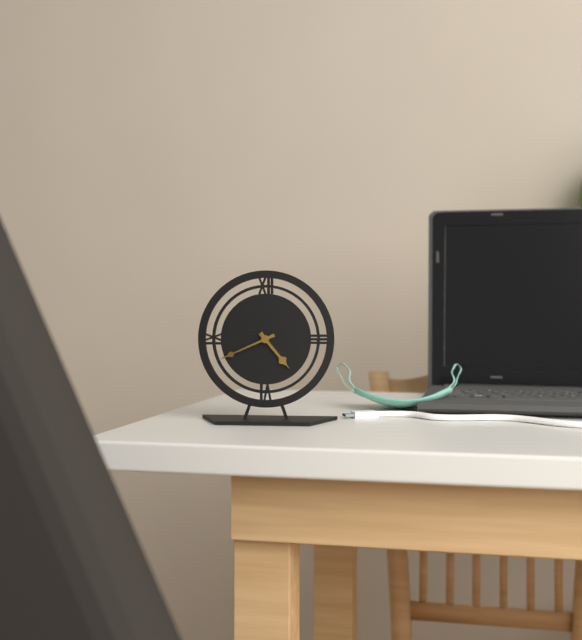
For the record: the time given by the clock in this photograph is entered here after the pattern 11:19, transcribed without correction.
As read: 4:41
